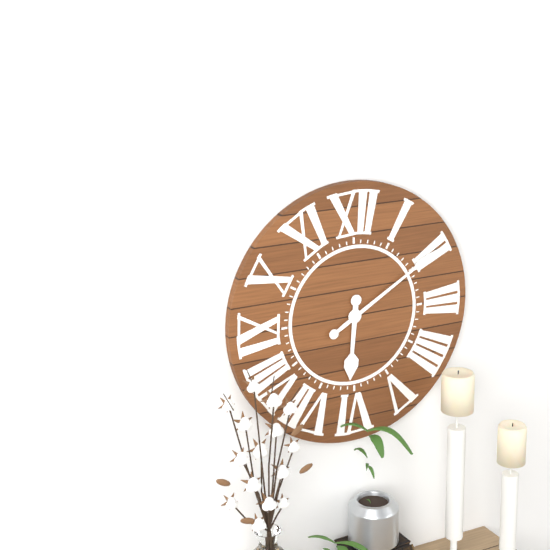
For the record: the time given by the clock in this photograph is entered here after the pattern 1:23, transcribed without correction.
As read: 6:10
